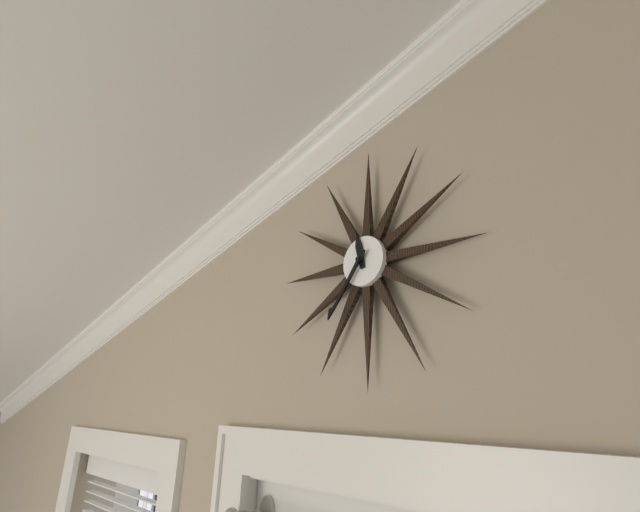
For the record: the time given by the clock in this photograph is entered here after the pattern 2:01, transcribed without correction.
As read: 11:36
